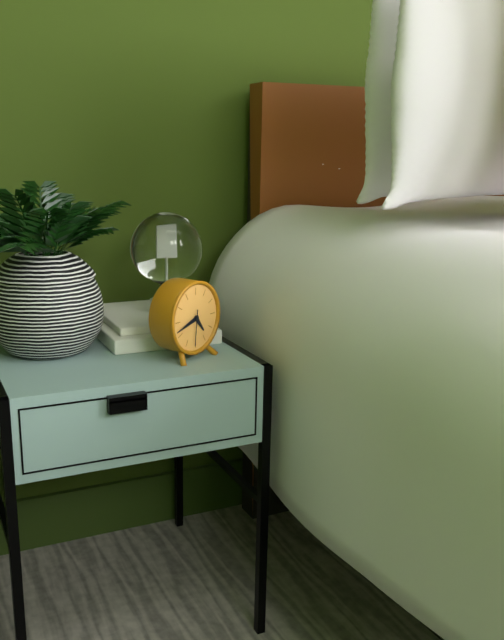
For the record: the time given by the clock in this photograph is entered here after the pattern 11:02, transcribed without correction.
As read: 4:42
